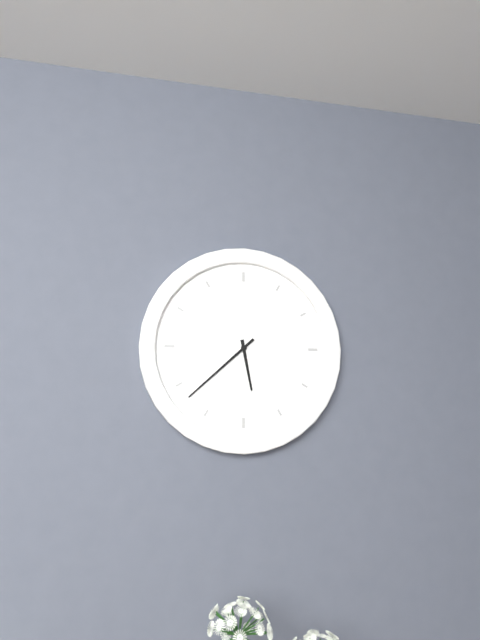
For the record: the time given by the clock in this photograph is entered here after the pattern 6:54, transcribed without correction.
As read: 5:38
